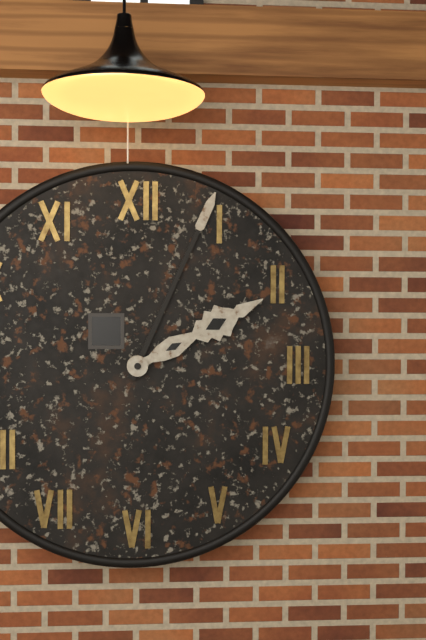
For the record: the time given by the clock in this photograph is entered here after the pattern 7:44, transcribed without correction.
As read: 2:04
